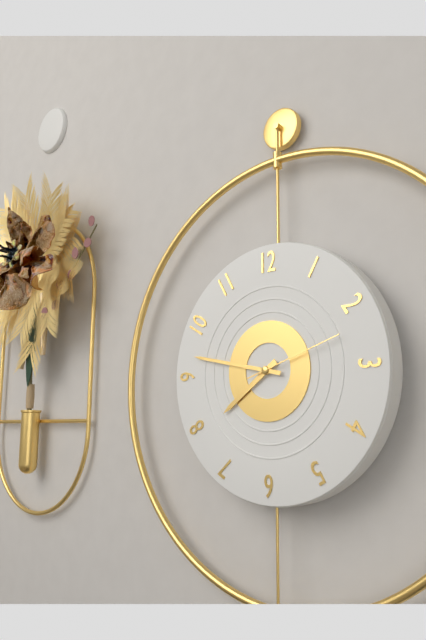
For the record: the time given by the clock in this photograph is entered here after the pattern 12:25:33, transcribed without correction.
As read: 7:47:12
